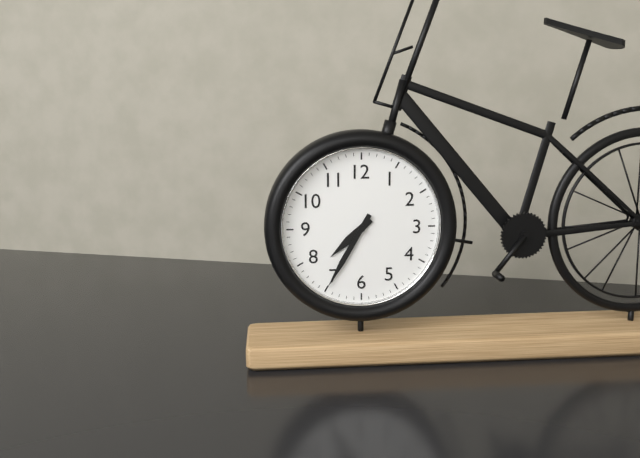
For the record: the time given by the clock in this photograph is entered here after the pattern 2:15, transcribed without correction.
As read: 7:35
